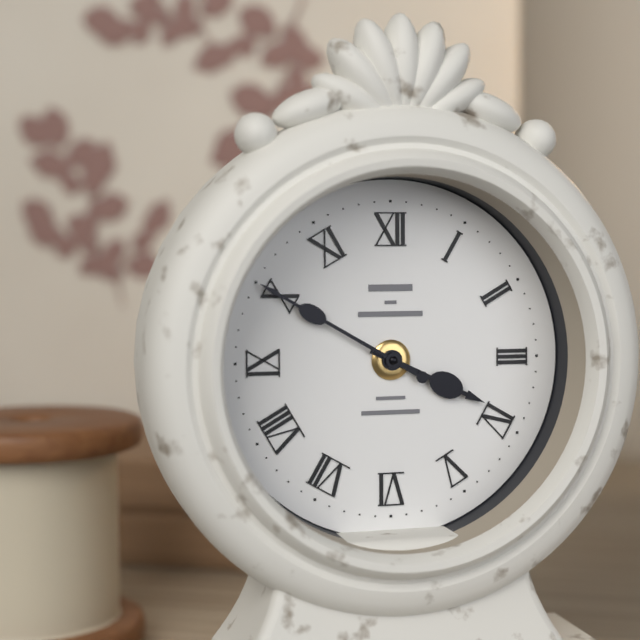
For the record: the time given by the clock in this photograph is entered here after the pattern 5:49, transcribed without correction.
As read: 3:50
